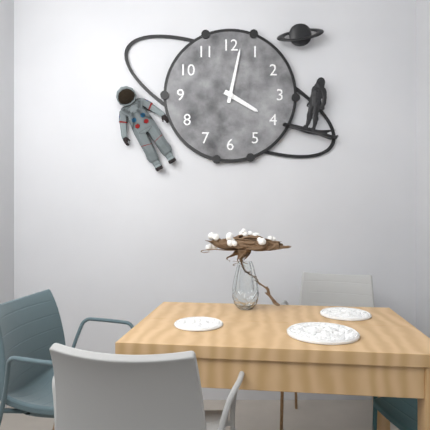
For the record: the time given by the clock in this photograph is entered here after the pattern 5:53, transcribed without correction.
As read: 4:02
